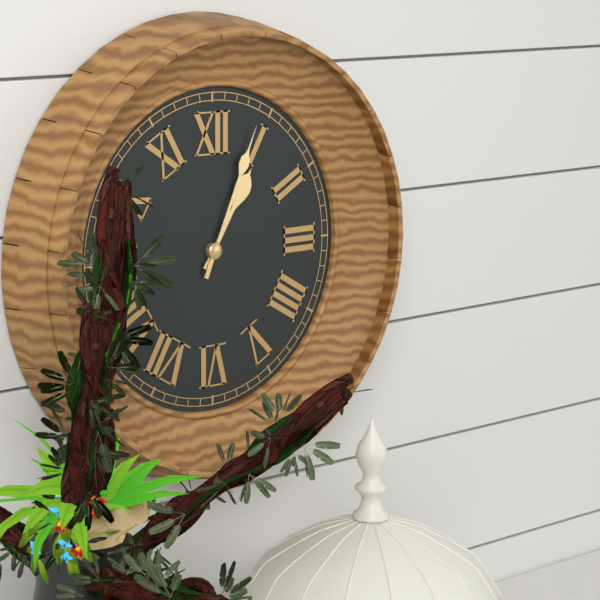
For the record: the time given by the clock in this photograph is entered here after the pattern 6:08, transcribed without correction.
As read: 1:04
